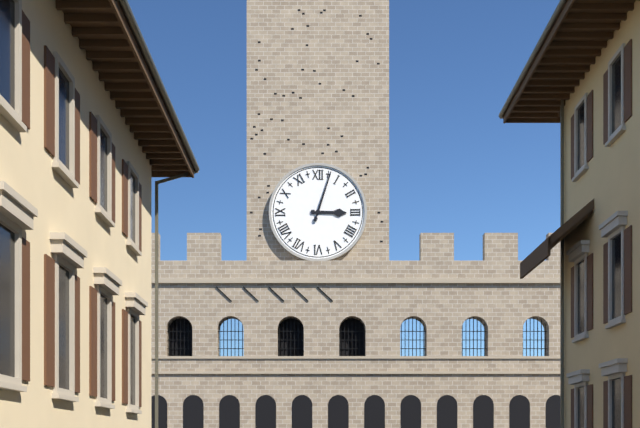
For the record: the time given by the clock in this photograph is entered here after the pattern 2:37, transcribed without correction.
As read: 3:03
